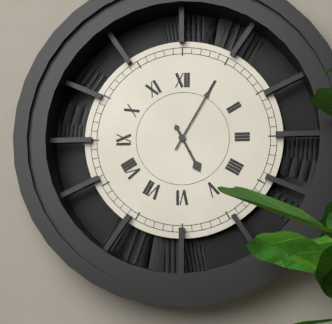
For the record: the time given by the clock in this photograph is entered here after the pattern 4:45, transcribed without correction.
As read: 5:05
